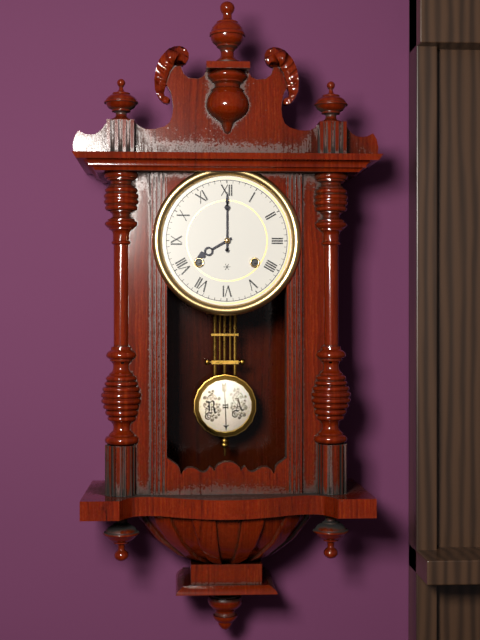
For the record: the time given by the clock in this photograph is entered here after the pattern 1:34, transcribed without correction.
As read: 8:00
